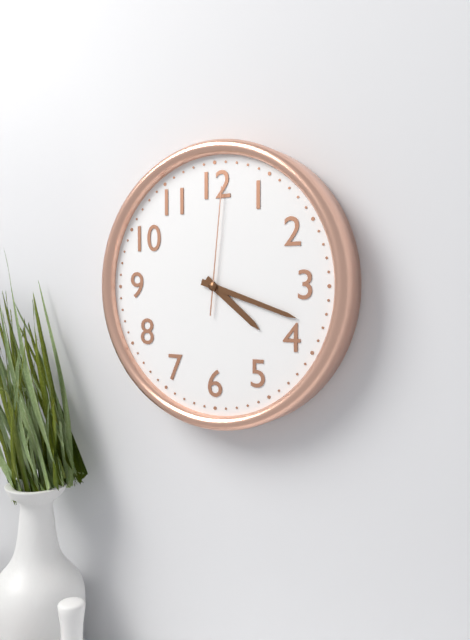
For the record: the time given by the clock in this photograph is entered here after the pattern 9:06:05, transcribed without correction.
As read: 4:18:01
